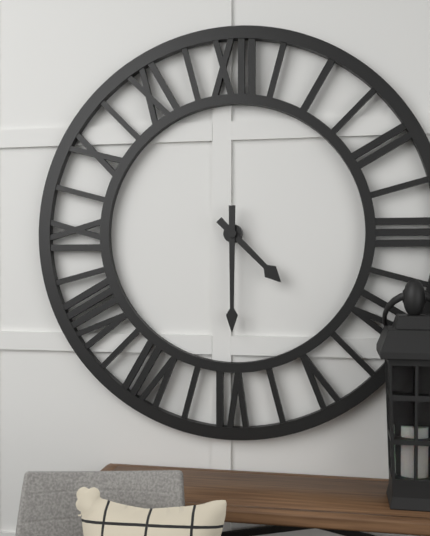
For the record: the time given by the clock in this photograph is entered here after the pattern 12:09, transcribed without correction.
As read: 4:30
